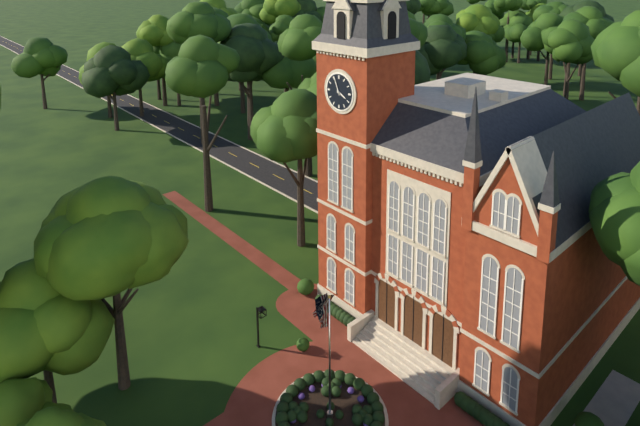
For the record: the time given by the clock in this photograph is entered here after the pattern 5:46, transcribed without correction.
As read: 3:56
